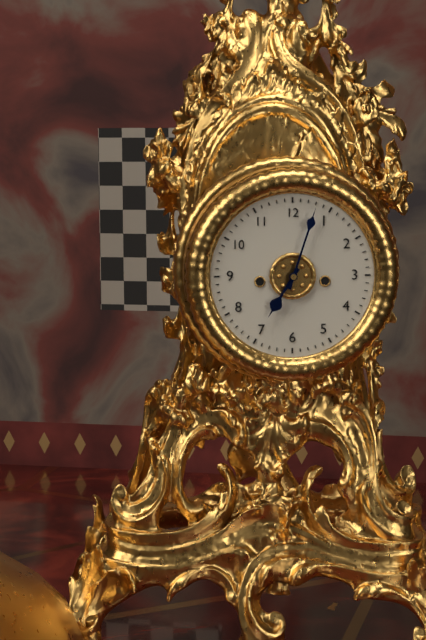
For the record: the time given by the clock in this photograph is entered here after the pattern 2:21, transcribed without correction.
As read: 7:03
